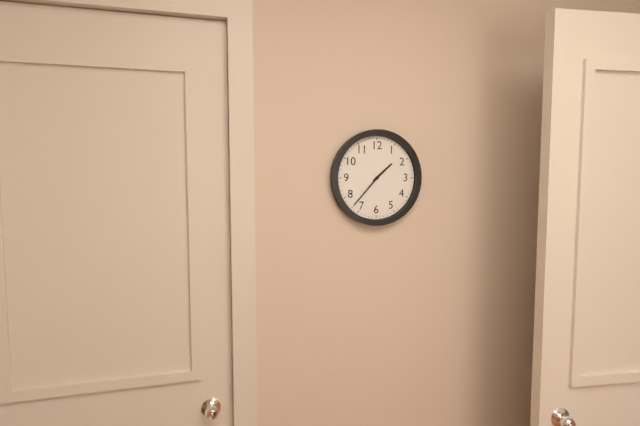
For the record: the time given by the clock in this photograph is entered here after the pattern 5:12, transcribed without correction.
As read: 1:37
